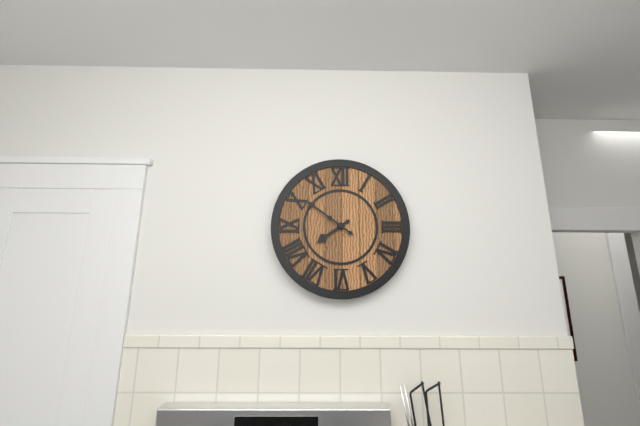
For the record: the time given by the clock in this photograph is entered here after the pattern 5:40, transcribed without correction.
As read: 7:51
